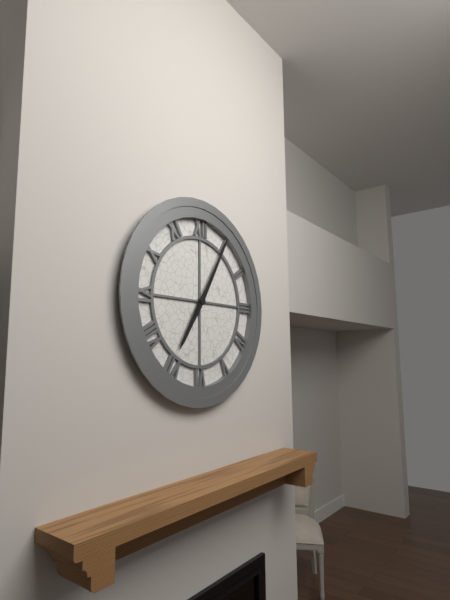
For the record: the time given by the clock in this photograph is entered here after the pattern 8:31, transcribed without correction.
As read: 7:05
